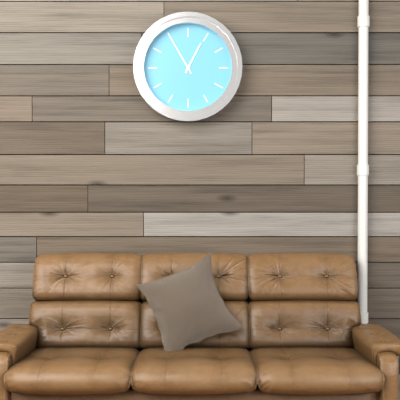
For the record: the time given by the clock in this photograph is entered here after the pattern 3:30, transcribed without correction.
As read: 12:55
